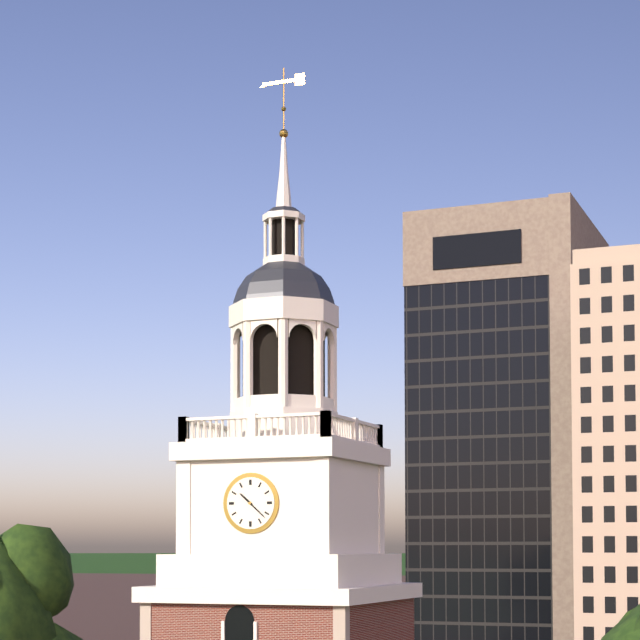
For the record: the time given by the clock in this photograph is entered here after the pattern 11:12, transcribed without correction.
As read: 10:22
